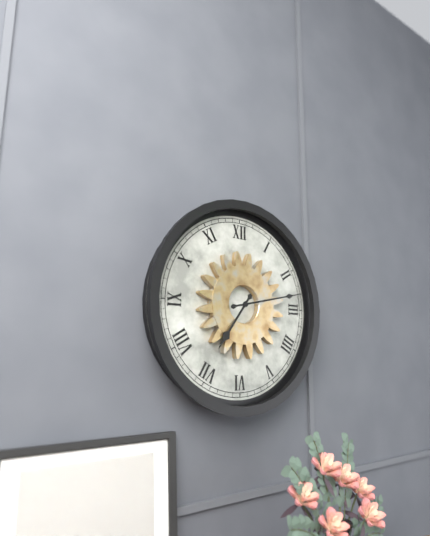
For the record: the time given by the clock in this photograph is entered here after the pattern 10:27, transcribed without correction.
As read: 7:13
